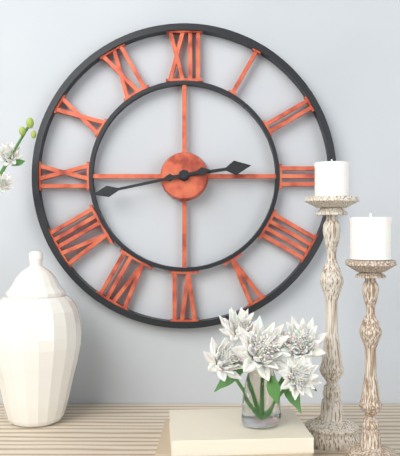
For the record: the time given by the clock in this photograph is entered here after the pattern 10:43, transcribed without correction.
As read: 2:43
